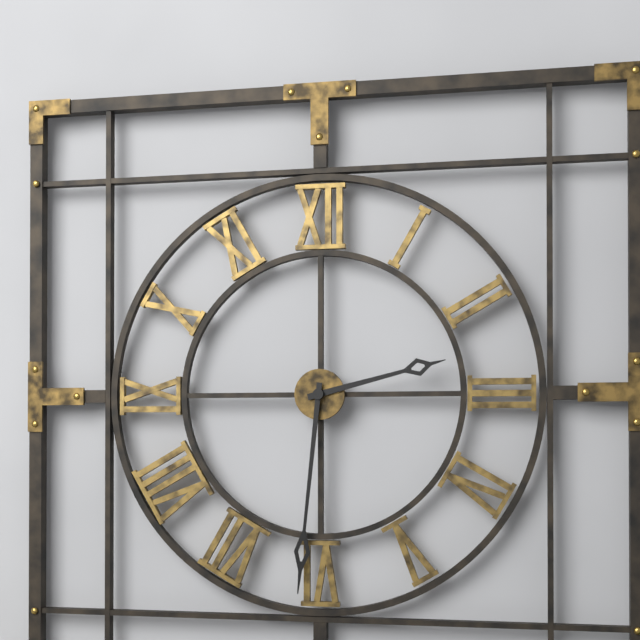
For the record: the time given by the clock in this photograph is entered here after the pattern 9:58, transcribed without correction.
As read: 2:31
